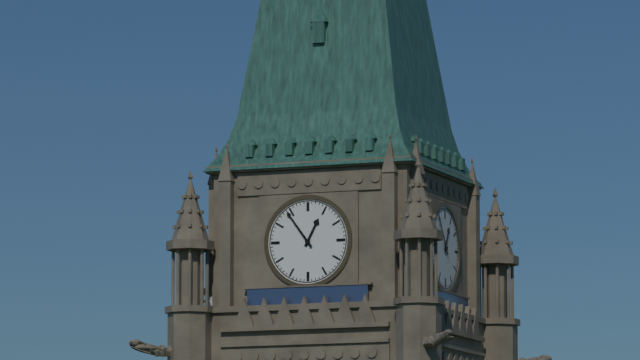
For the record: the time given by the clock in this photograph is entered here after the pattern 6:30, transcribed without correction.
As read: 12:54
